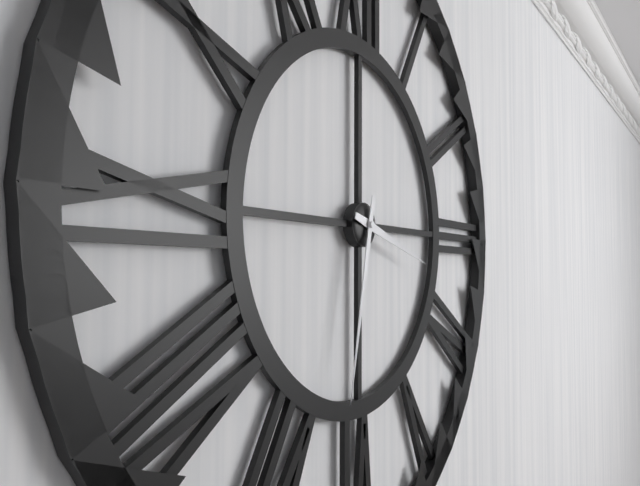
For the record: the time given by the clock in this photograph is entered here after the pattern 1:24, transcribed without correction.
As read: 3:32
